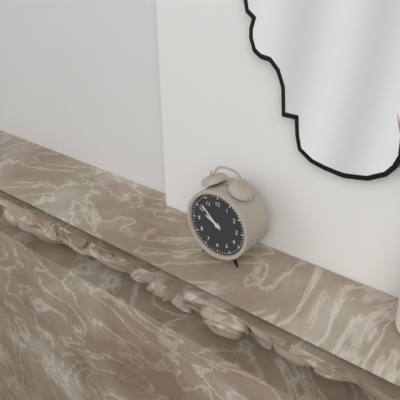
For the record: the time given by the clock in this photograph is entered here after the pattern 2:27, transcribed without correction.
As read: 9:52
